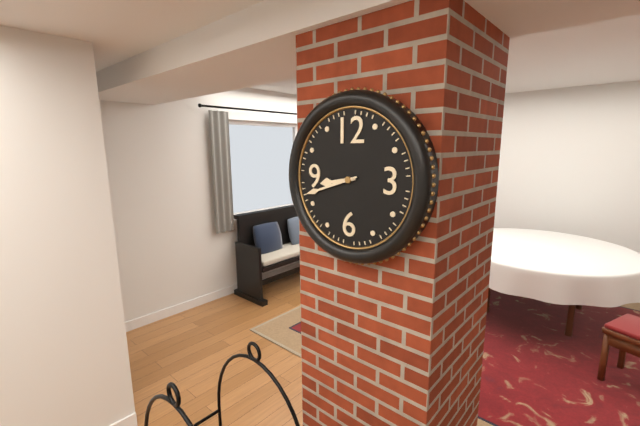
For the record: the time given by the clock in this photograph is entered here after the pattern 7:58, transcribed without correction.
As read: 8:42
